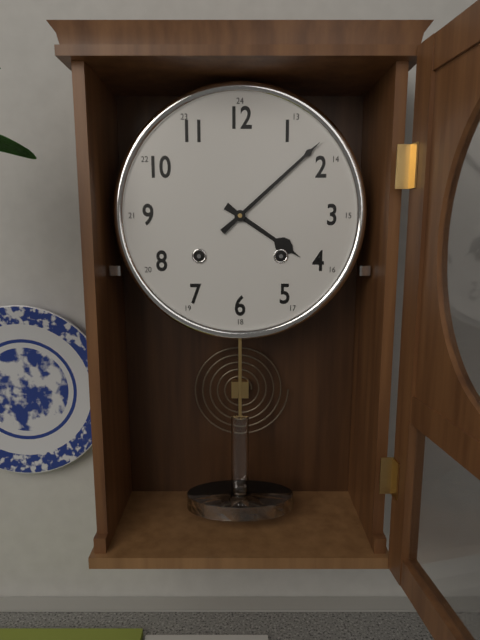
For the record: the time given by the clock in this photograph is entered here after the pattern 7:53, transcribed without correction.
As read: 4:08
